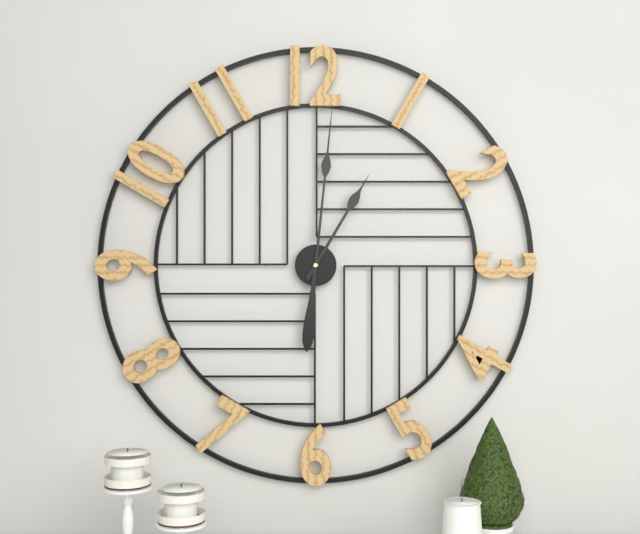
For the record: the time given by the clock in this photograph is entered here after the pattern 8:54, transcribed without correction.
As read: 1:01
